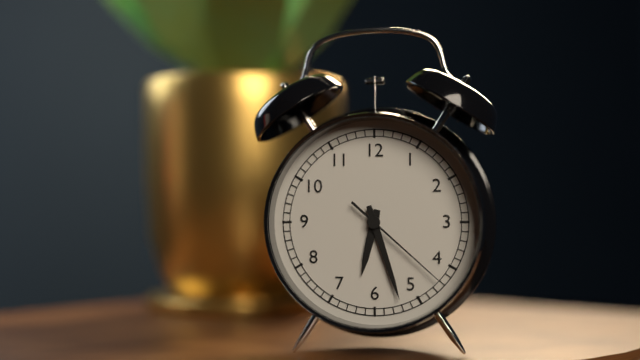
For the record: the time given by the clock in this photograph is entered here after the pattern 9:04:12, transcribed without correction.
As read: 6:27:22
